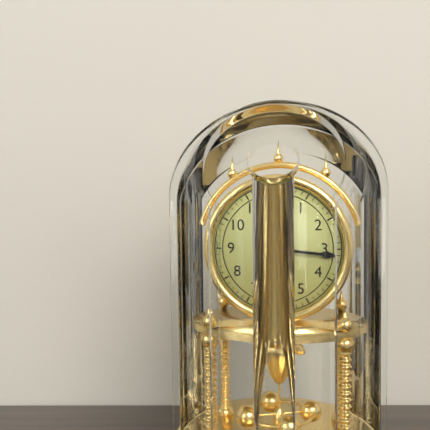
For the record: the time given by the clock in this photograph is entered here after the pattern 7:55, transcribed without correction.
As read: 12:16
